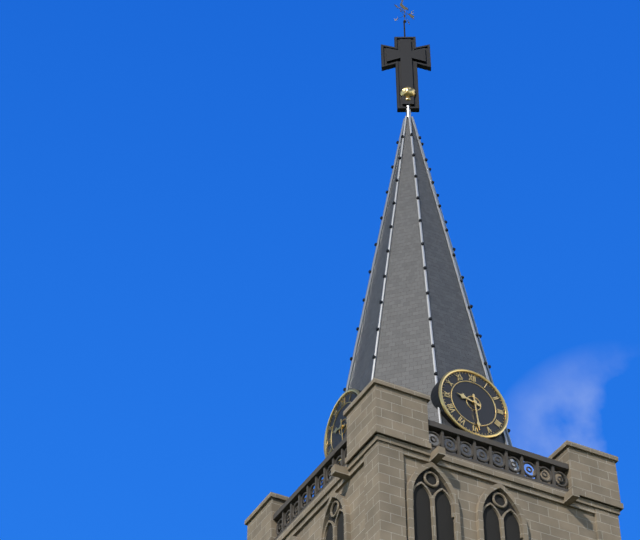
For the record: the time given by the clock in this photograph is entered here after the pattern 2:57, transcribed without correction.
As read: 9:29
